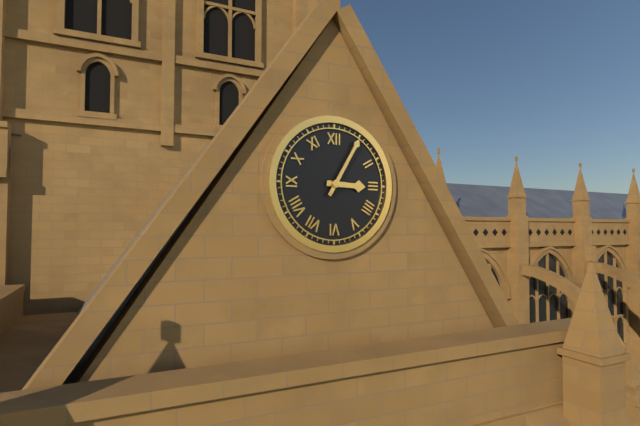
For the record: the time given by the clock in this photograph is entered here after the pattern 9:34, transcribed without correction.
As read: 3:05
